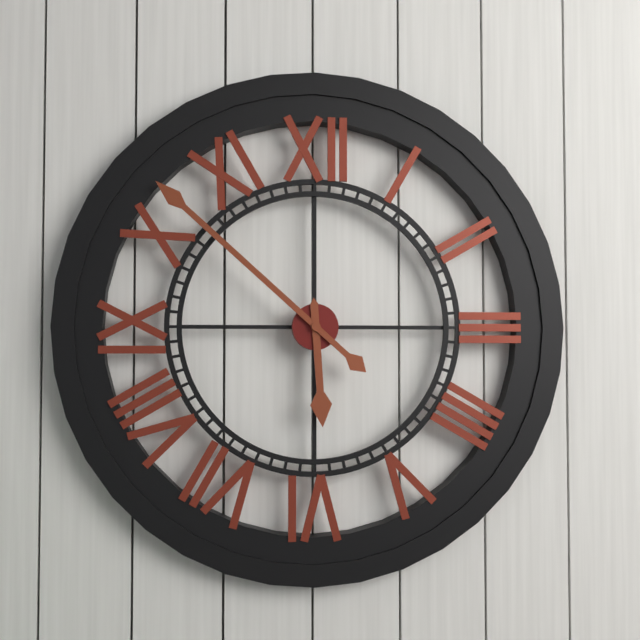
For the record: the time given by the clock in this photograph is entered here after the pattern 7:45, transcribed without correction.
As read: 5:52
